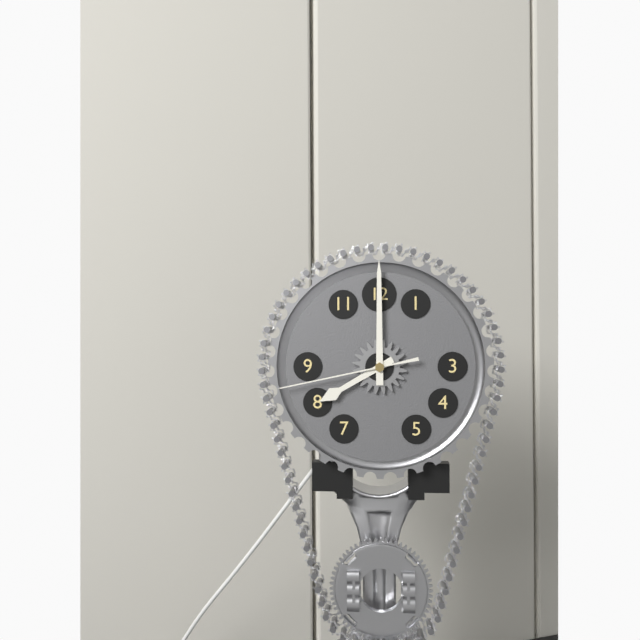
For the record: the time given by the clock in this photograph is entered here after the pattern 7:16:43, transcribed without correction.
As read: 8:00:43
